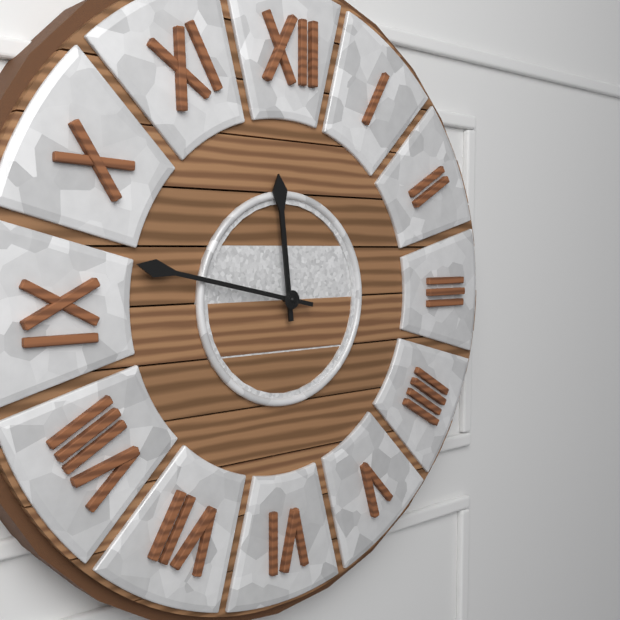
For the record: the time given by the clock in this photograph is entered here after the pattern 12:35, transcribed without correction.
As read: 11:47
